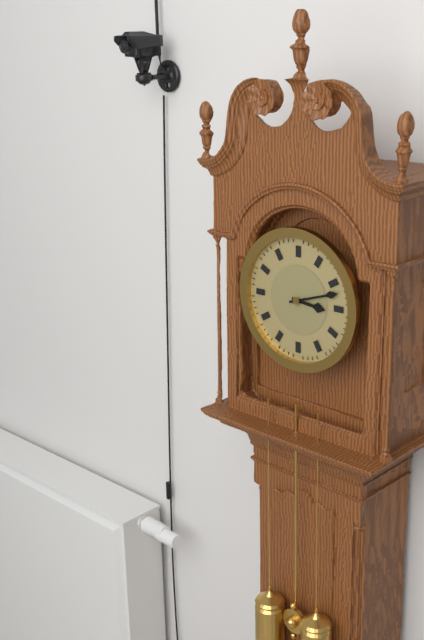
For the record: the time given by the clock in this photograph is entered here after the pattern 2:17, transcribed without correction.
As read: 3:12
